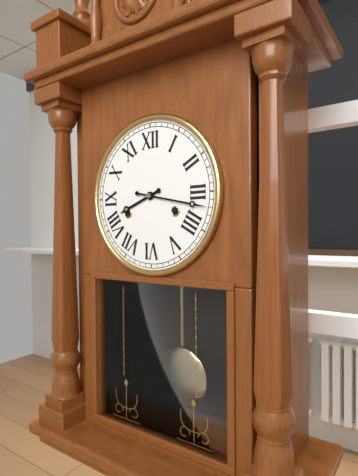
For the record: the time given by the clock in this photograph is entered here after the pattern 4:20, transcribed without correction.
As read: 8:17
